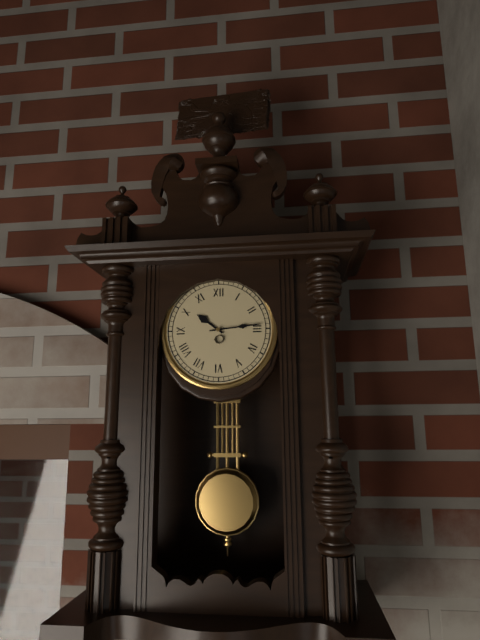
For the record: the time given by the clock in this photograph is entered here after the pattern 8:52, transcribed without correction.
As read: 10:14
